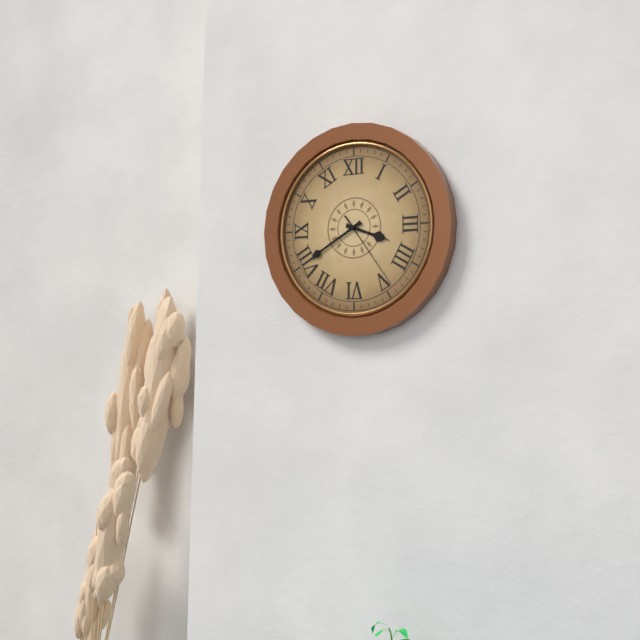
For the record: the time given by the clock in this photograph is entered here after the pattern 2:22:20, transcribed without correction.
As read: 3:40:24
